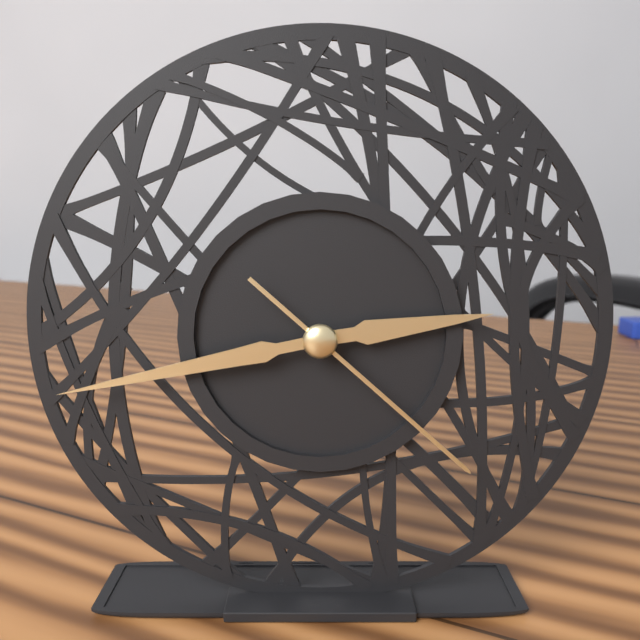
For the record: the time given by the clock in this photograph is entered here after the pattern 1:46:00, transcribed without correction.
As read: 2:43:22
